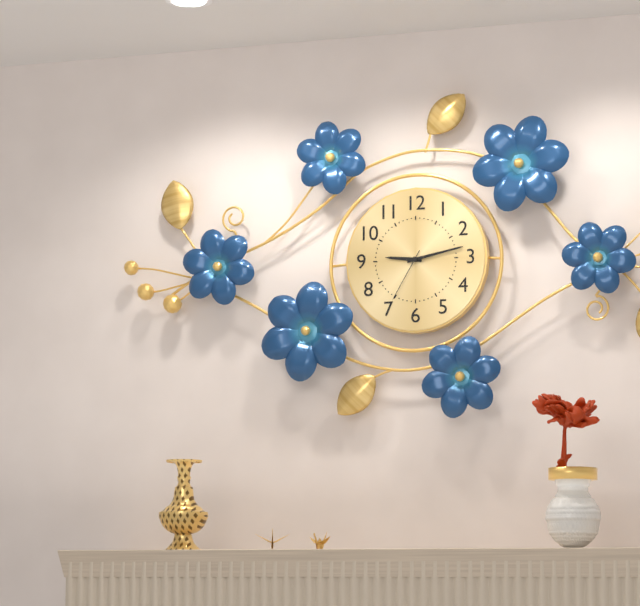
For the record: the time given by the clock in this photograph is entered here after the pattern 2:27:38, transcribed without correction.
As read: 9:13:35
